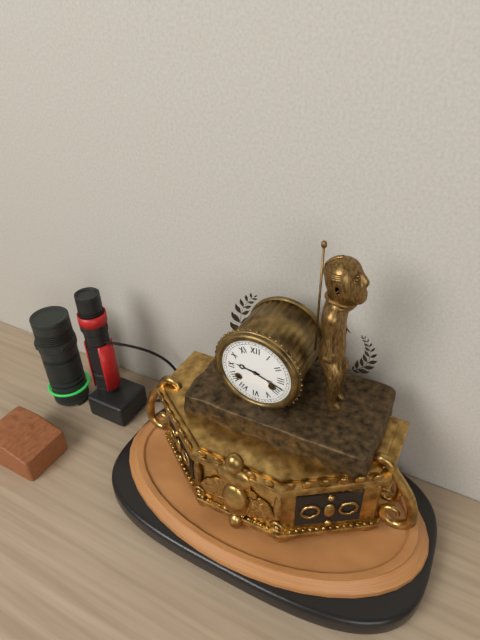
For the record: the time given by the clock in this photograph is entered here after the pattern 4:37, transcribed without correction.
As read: 9:18
